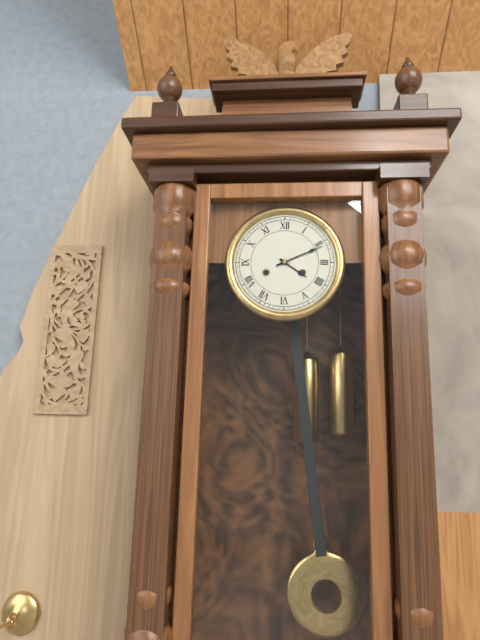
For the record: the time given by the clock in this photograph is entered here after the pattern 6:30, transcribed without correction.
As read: 4:11
